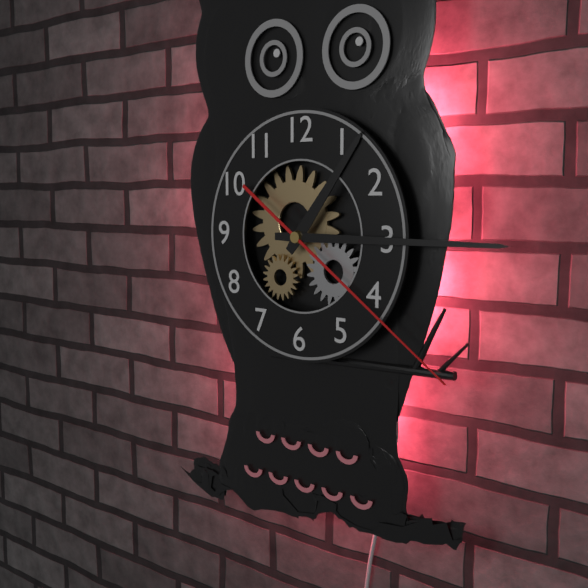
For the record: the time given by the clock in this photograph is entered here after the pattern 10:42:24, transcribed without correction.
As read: 1:15:21
